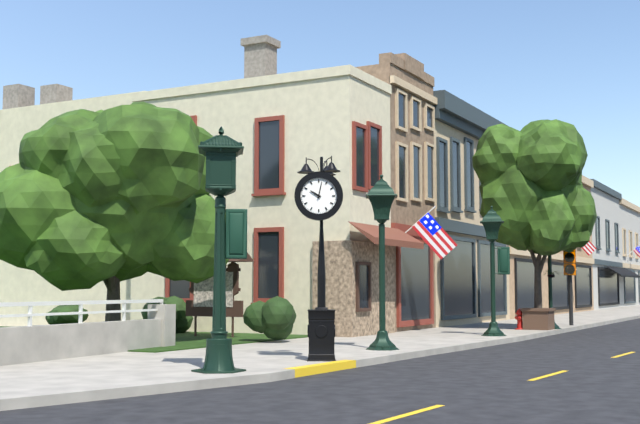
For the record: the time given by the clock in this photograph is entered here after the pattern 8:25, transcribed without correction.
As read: 10:02
